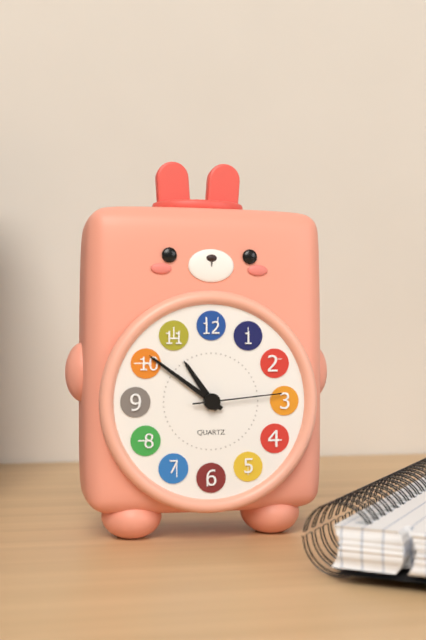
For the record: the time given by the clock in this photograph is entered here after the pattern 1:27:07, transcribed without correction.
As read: 10:51:14
